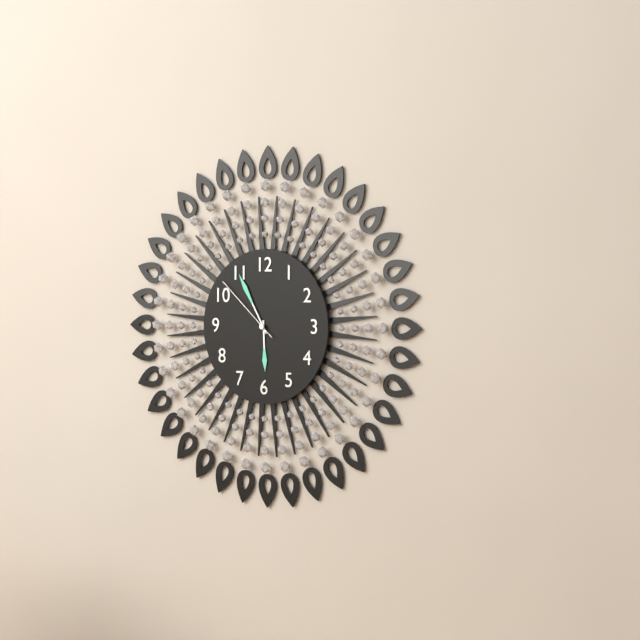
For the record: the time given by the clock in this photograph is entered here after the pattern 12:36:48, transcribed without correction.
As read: 5:55:52
